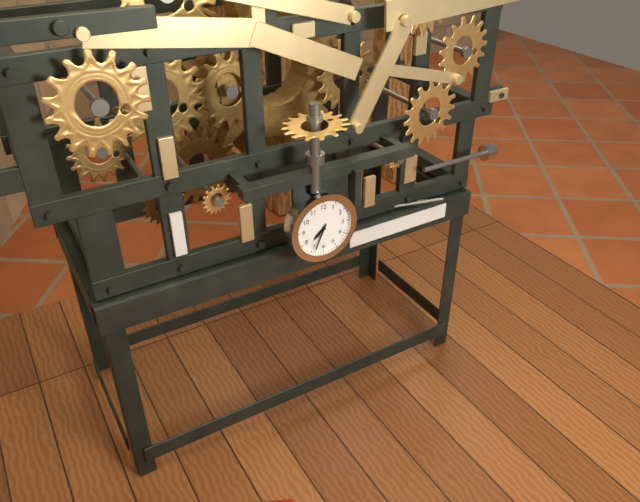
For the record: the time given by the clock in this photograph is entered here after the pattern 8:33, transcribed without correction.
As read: 7:34
